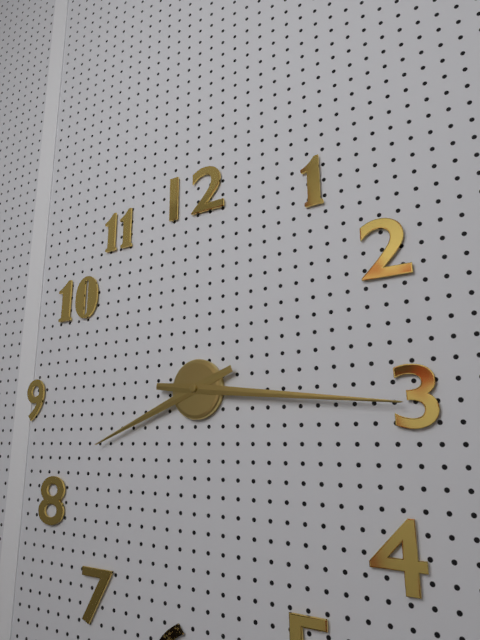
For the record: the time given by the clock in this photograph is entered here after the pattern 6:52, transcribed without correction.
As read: 8:16
